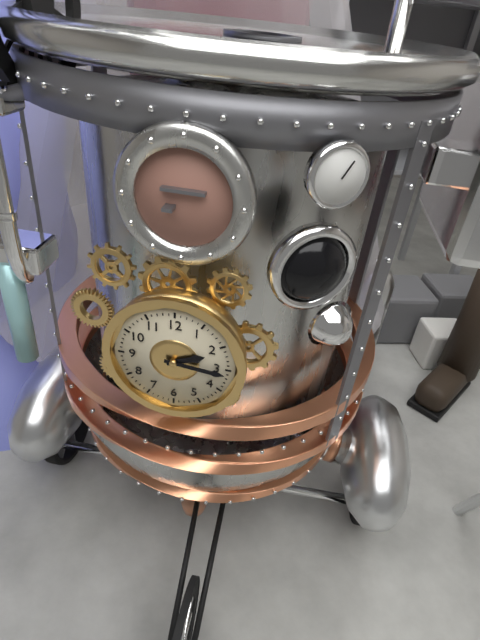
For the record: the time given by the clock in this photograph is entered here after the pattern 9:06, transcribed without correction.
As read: 2:16
